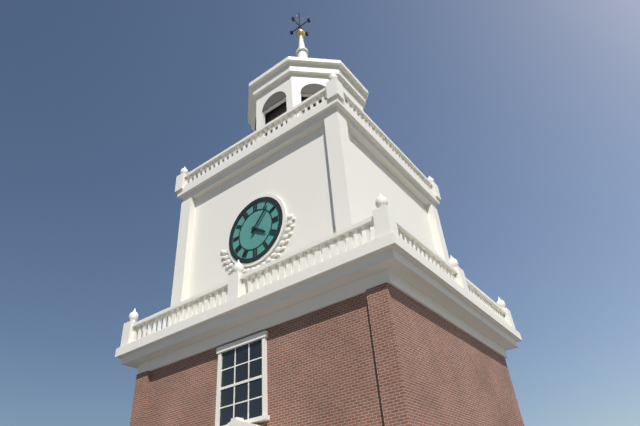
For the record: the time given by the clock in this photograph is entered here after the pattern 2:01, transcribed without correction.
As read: 4:07
